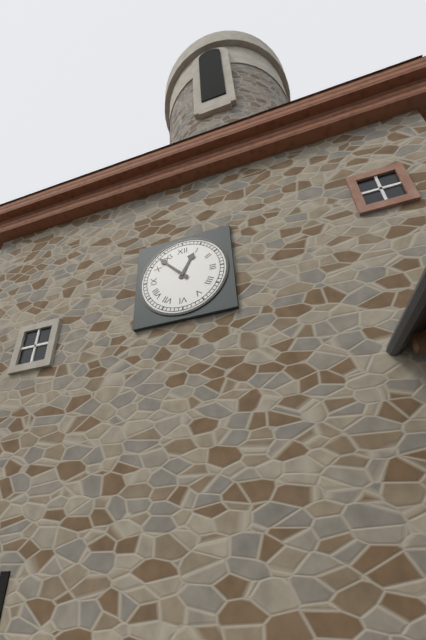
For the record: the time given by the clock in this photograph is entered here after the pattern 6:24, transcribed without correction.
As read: 12:53
